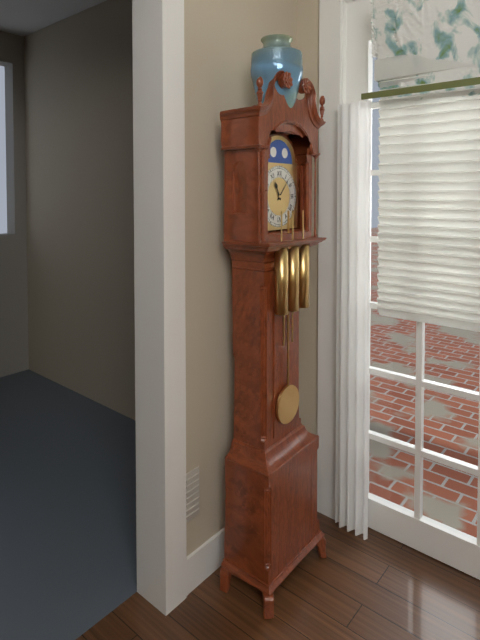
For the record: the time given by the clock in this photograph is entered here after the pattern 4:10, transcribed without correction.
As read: 11:07
